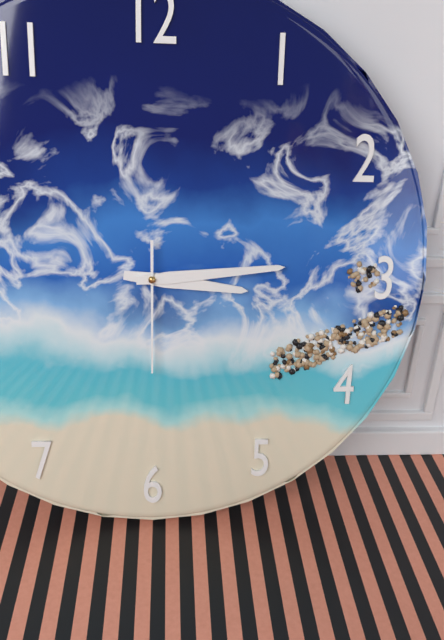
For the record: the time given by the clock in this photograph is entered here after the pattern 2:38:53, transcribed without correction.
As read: 3:14:30
